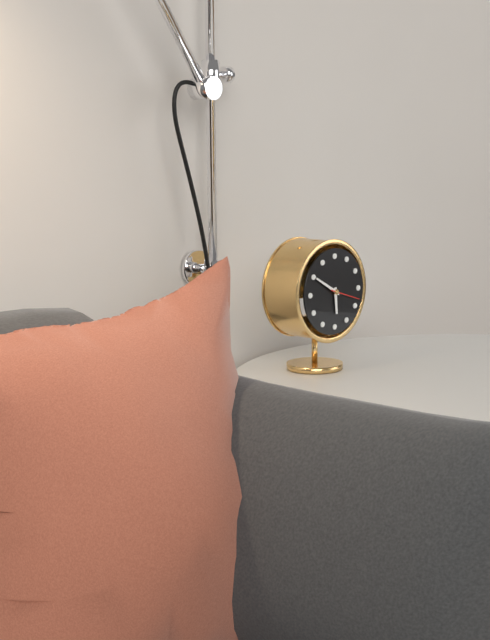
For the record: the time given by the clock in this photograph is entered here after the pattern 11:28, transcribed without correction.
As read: 5:50
